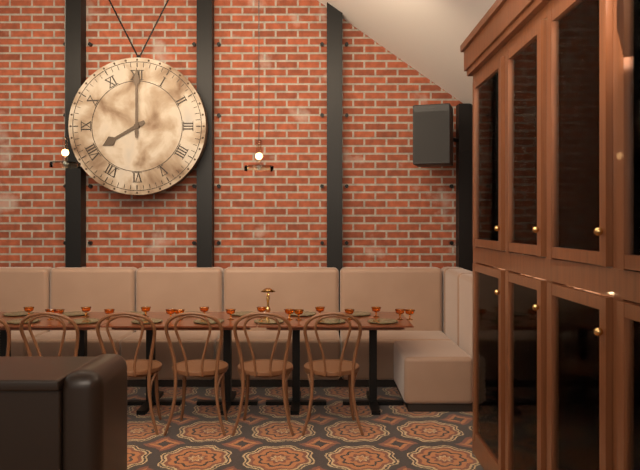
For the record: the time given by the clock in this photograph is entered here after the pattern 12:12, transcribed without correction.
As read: 8:00
